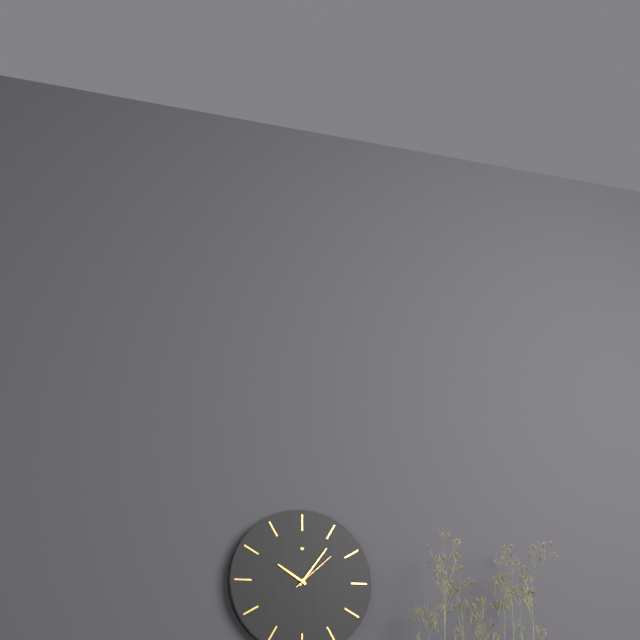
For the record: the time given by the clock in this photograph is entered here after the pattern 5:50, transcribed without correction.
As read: 10:06
